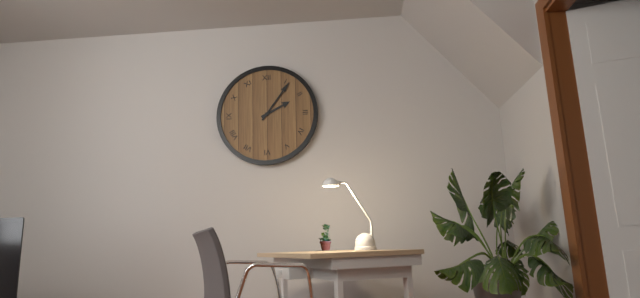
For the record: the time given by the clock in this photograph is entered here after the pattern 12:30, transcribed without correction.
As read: 2:06
